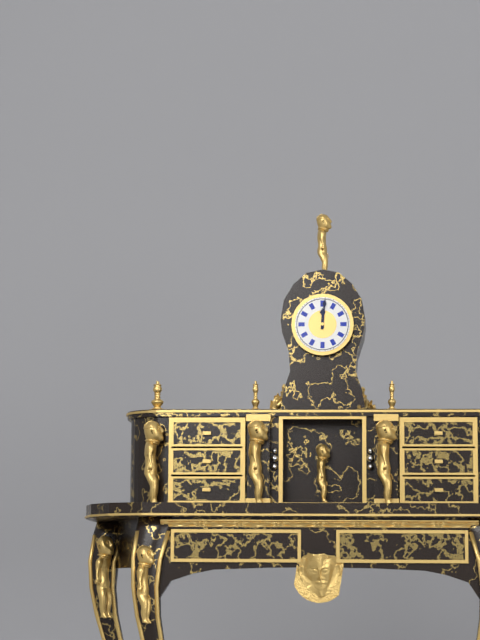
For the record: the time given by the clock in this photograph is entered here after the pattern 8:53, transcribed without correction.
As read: 12:01
